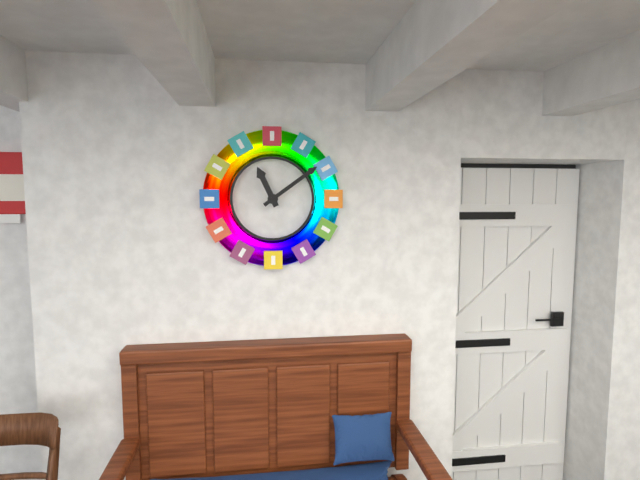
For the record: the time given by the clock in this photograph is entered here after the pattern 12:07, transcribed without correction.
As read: 11:09
